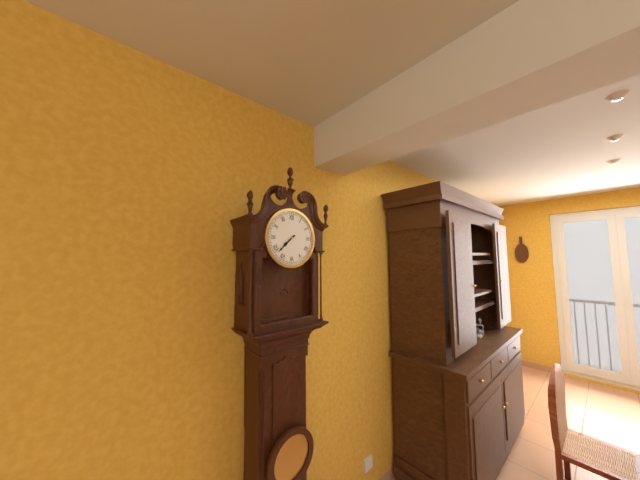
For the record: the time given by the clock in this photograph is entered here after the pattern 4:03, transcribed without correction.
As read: 7:38
